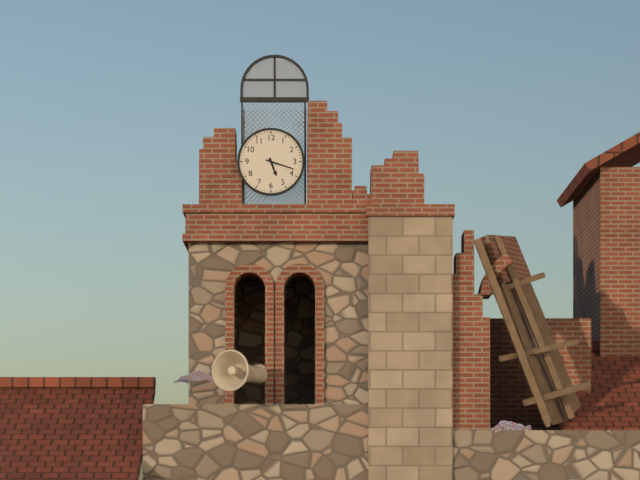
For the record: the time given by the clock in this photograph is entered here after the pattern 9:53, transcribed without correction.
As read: 5:18
